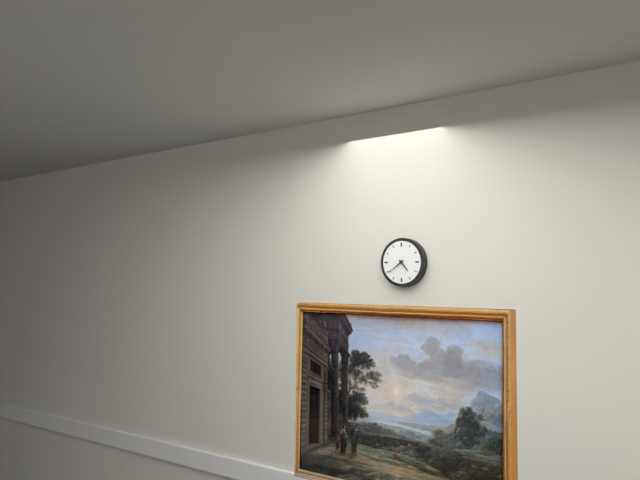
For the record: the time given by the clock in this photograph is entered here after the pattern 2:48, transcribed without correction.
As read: 4:39
